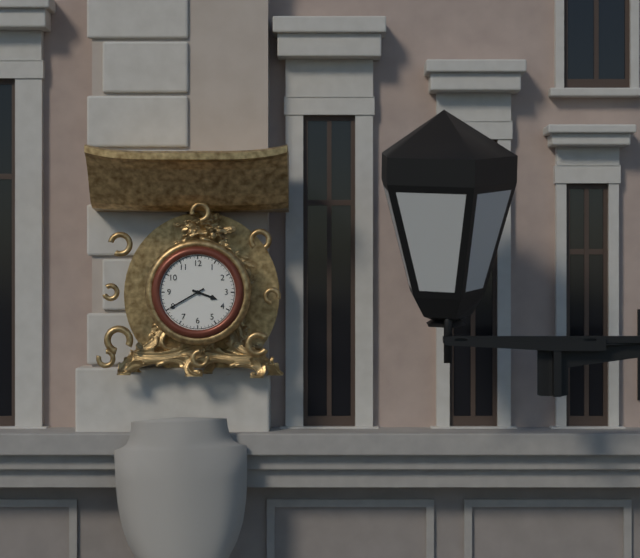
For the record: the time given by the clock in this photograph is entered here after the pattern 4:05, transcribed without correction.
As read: 3:40
